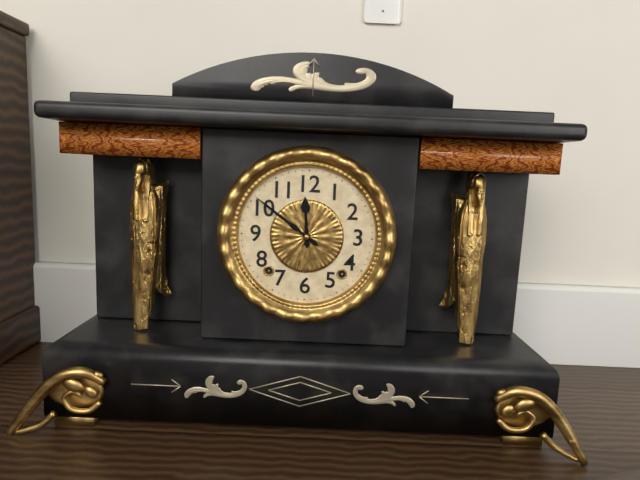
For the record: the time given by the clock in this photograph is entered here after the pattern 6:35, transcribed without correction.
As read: 11:51
